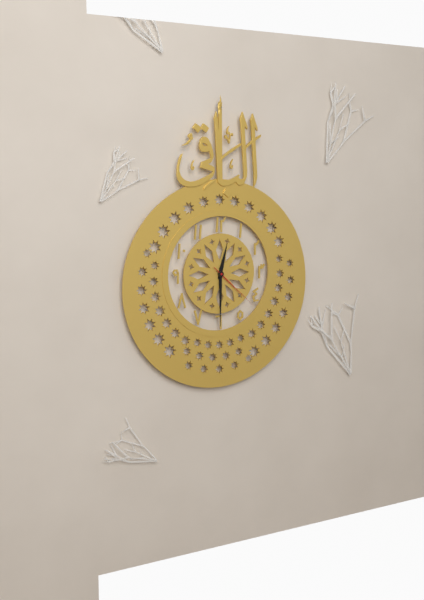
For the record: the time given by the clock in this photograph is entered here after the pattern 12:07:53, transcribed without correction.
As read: 12:30:22
